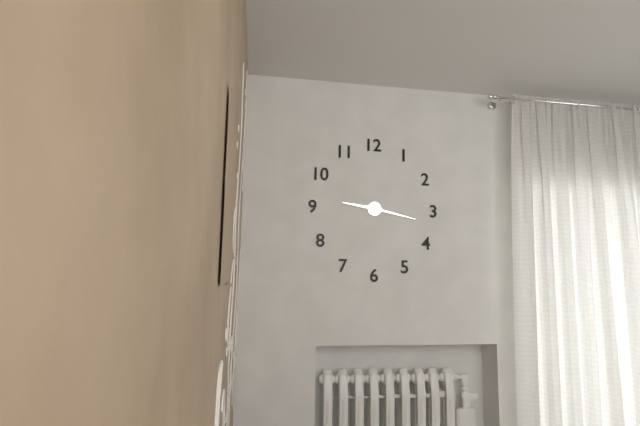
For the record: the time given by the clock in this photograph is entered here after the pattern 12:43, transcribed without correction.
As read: 9:17
